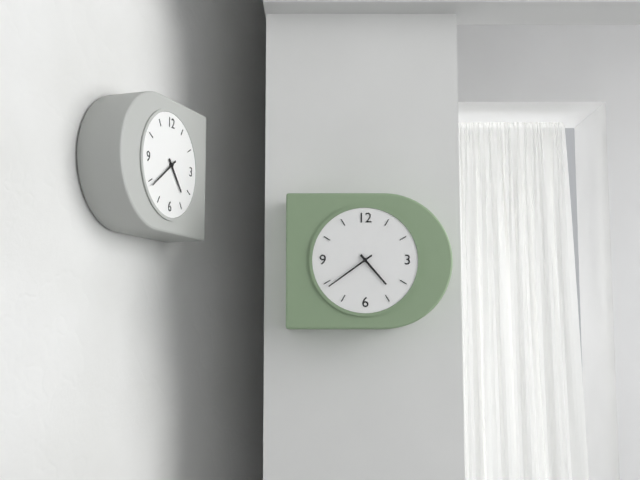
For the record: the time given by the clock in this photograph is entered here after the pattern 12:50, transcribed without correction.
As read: 4:39
